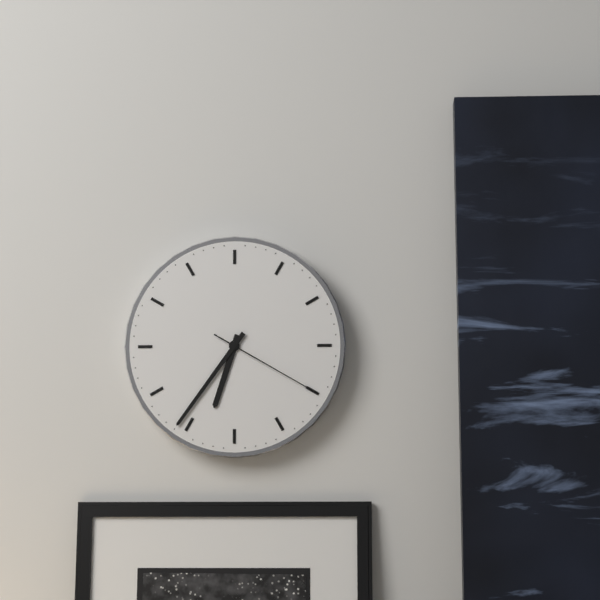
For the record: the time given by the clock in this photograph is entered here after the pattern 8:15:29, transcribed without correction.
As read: 6:36:20
